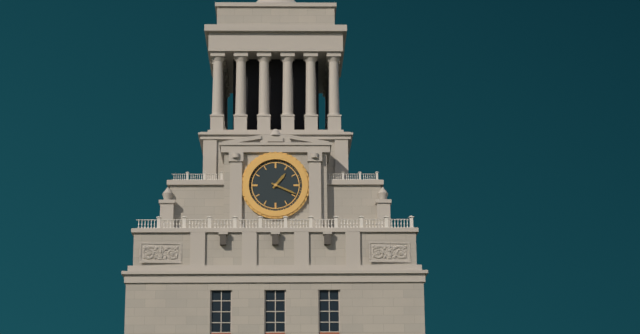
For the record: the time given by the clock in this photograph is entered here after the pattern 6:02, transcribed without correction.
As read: 1:19
